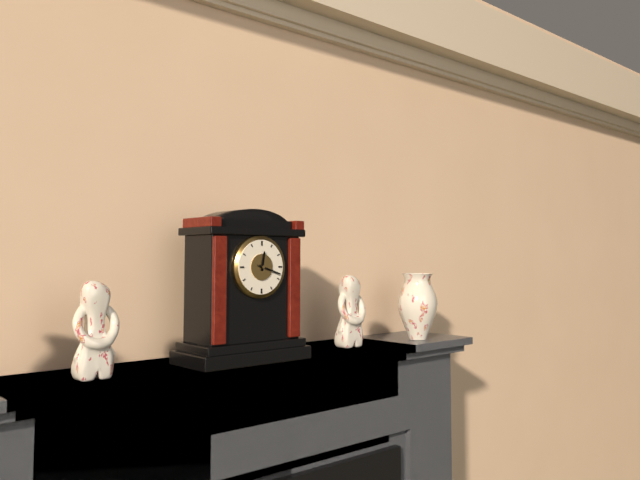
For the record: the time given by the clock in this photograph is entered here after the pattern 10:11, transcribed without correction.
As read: 12:18
